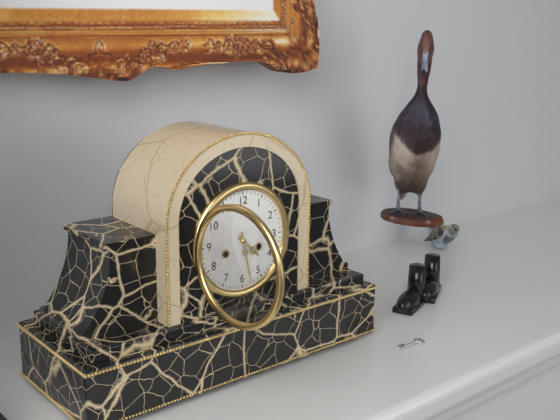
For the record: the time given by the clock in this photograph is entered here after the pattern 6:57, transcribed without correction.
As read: 4:28
